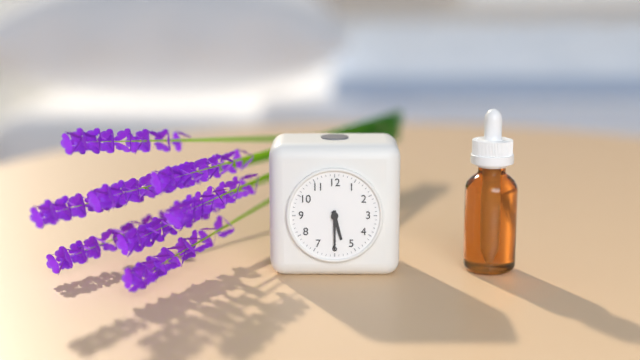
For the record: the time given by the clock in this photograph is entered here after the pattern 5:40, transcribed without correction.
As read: 5:30
